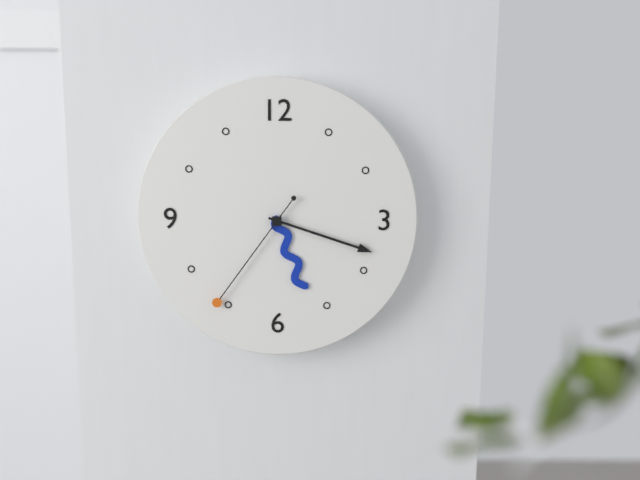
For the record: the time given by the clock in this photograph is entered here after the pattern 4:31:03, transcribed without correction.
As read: 5:18:36
